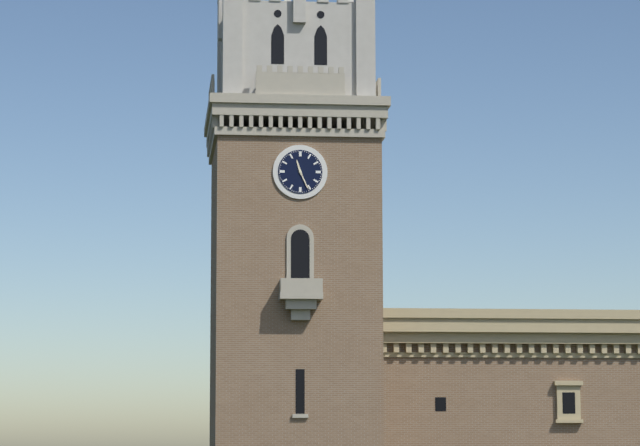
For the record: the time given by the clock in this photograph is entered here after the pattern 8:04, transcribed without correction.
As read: 11:26
